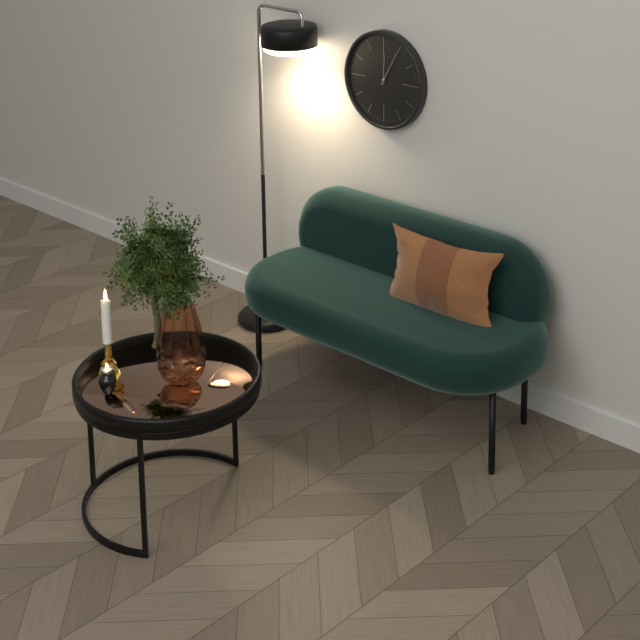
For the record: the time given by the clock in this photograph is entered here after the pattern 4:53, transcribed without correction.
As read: 12:05
